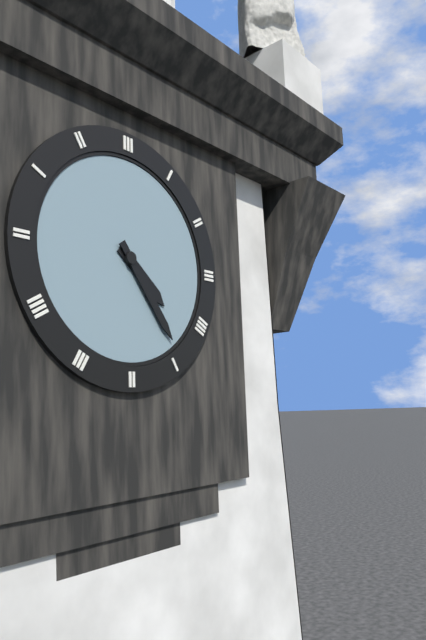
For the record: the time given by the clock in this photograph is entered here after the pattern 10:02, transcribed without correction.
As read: 4:24
